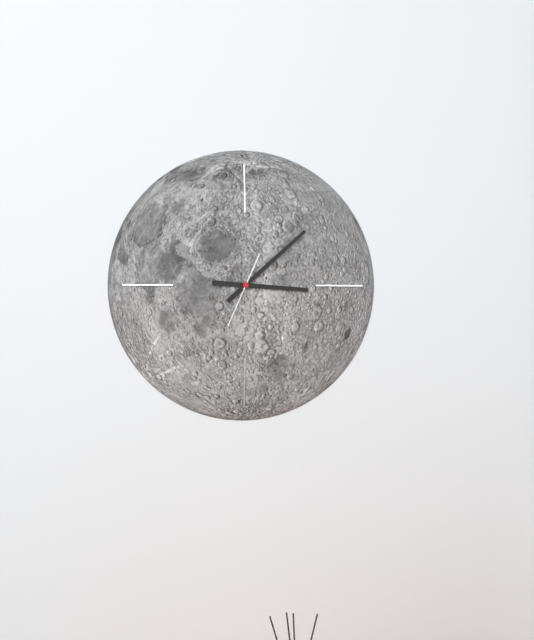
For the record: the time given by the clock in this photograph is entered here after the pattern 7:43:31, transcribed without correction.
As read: 3:08:34
